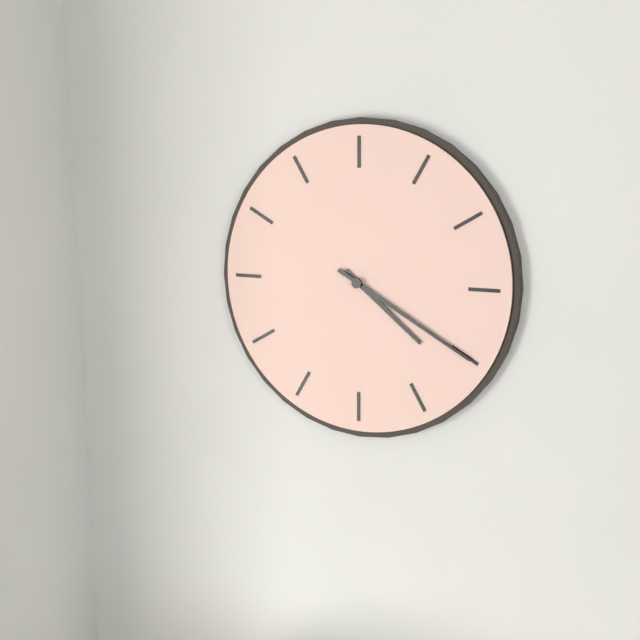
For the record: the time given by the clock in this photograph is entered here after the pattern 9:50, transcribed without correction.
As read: 4:20
